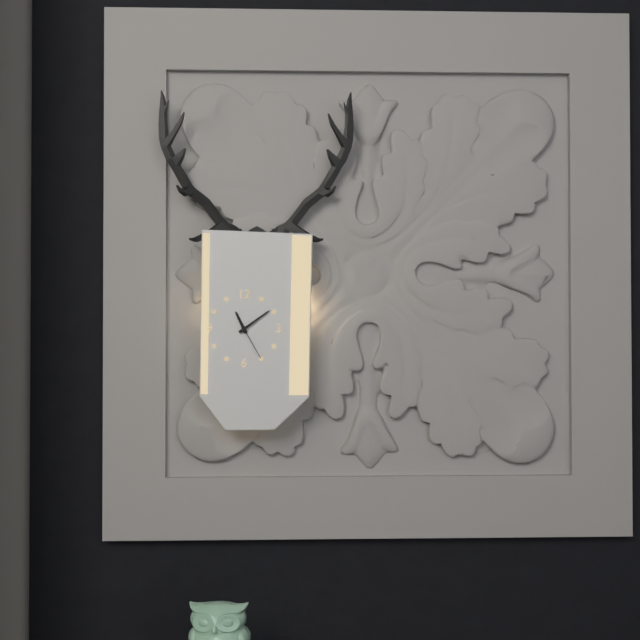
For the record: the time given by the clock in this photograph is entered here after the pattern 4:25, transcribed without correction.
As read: 11:09
